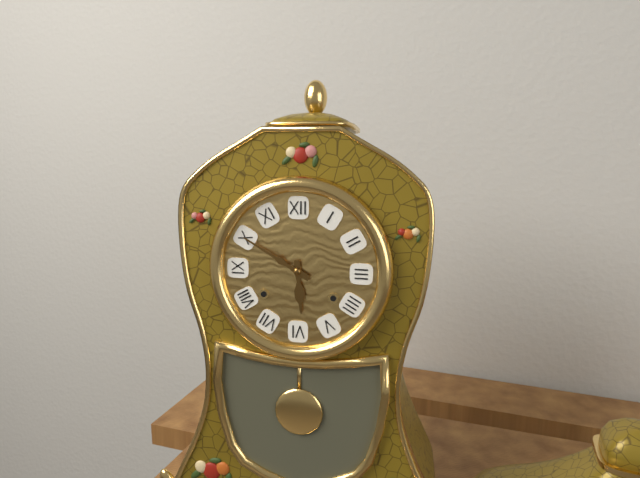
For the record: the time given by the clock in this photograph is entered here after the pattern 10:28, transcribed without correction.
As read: 5:50
